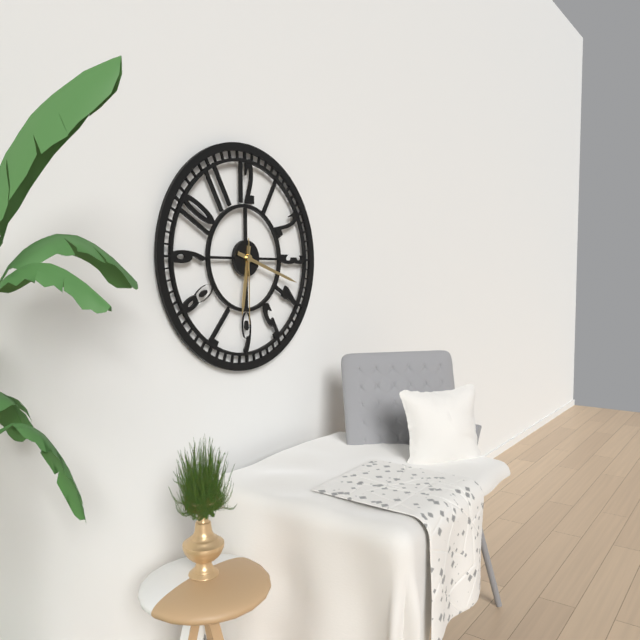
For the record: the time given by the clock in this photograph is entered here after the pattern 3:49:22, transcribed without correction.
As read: 6:18:30
